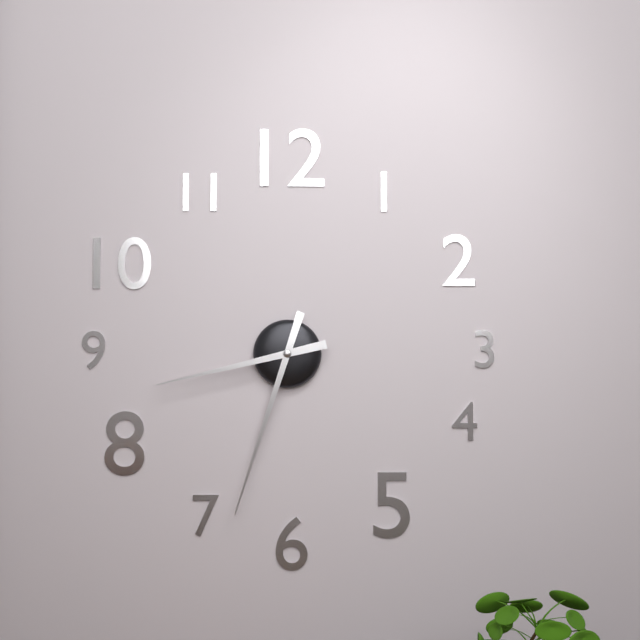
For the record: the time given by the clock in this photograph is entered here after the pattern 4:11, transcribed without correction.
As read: 8:33
